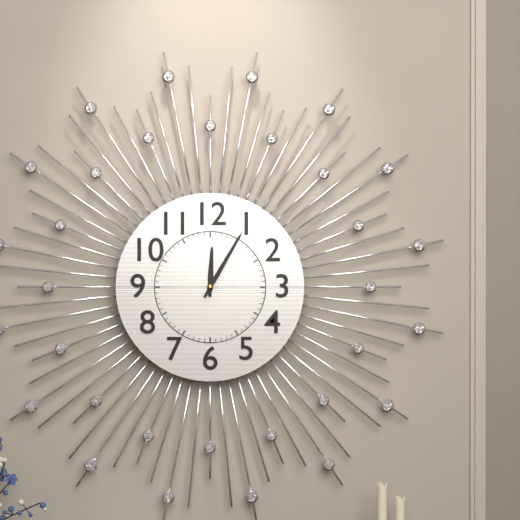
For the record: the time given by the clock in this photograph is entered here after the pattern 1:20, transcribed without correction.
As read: 12:05
